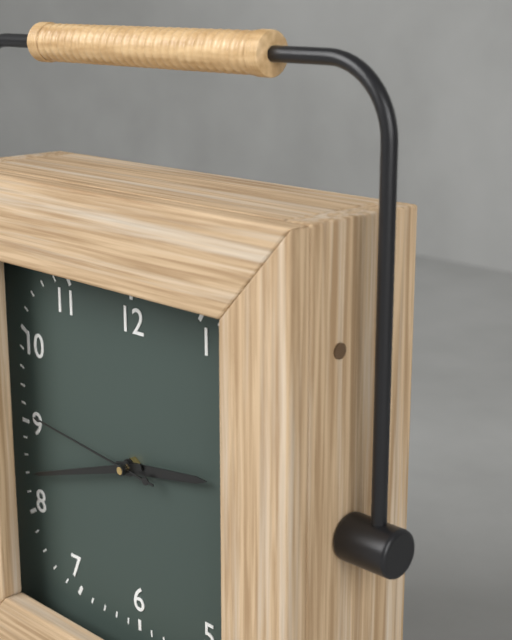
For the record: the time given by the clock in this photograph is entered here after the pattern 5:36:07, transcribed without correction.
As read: 2:42:46
